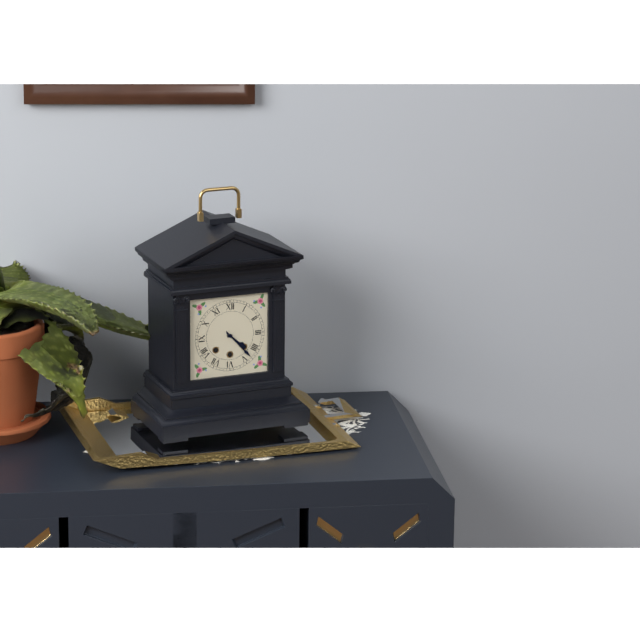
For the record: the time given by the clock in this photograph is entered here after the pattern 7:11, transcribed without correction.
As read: 4:23
